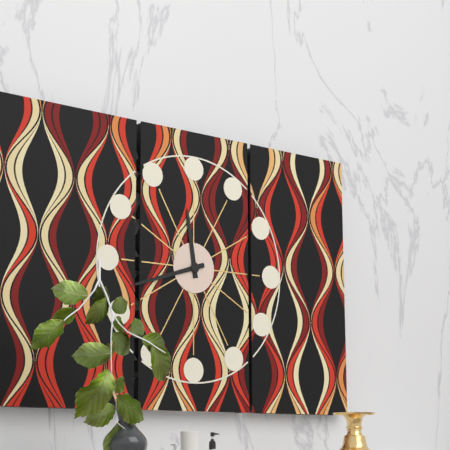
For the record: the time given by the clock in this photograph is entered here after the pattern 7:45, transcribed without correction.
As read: 11:42
